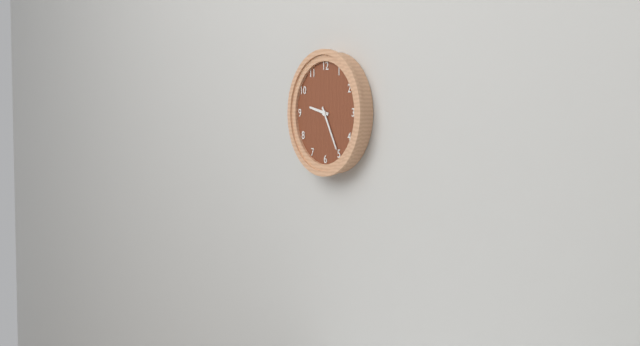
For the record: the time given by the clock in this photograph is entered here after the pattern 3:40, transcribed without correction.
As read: 9:25
